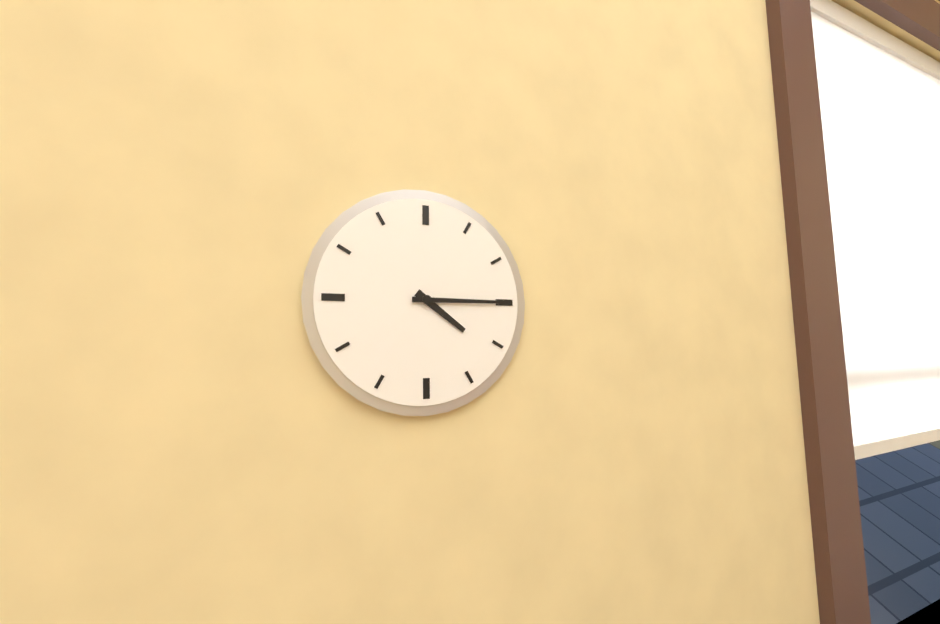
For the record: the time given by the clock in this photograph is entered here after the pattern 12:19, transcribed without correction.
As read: 4:15
